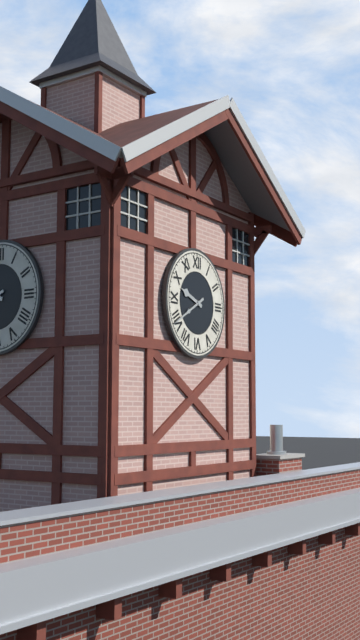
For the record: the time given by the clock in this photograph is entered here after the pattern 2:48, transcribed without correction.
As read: 9:40
